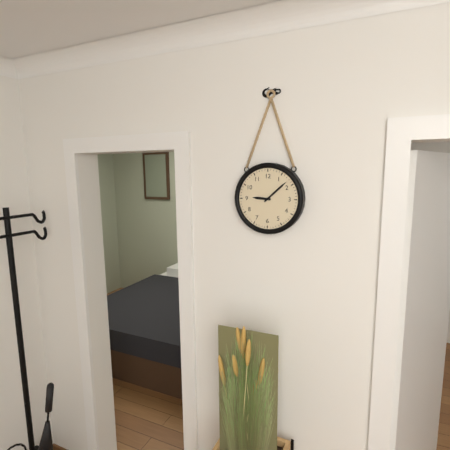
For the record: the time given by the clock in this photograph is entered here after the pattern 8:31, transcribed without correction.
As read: 9:08
